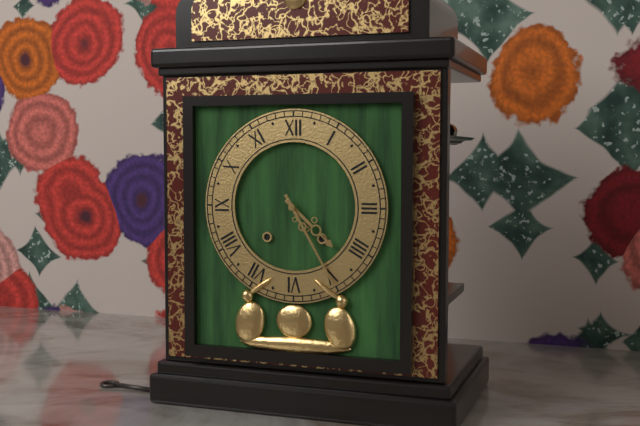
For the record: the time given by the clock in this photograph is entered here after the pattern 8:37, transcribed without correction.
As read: 4:25
